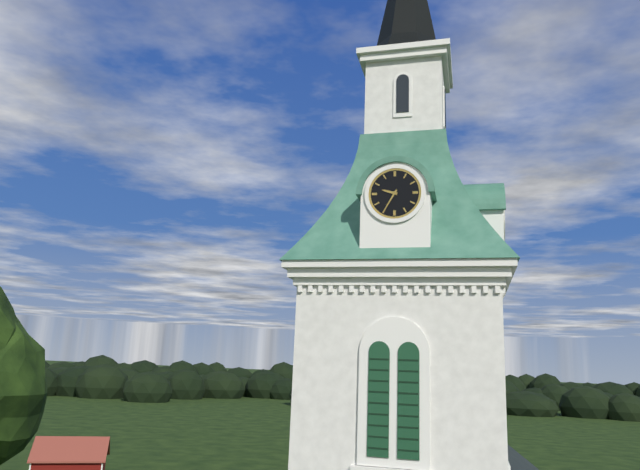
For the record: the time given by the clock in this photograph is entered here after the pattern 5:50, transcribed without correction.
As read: 9:35
